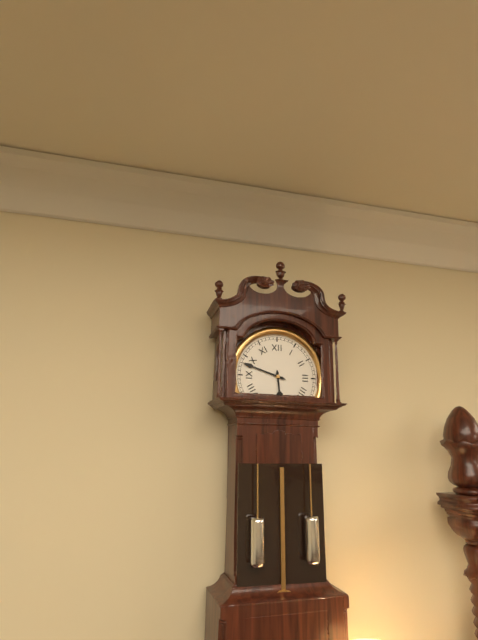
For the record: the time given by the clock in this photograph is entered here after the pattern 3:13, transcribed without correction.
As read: 5:48
